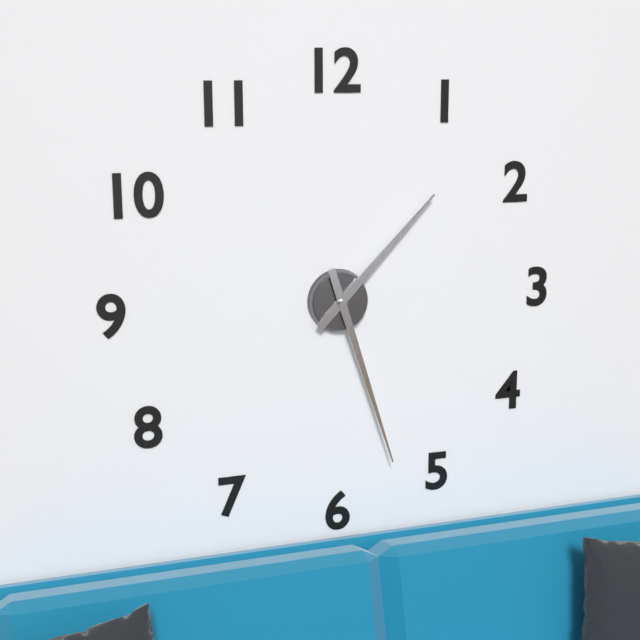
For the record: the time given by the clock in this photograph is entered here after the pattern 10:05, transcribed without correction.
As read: 1:27
